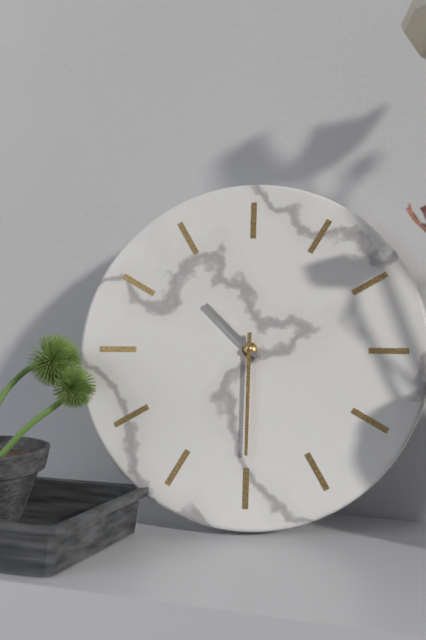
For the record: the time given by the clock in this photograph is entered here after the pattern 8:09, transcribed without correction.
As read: 10:30
